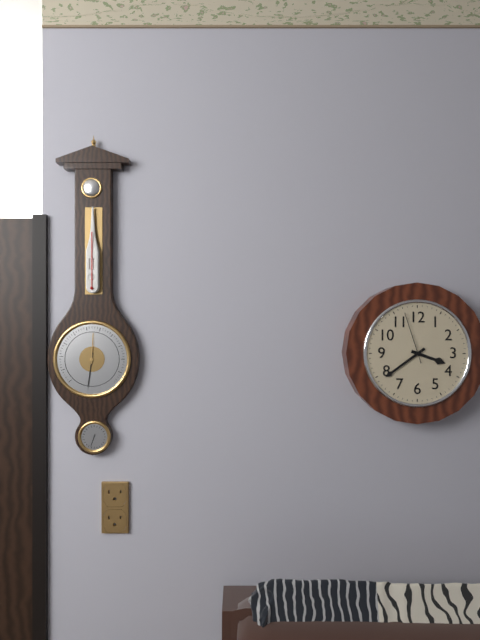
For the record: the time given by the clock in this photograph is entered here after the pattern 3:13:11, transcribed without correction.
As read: 3:39:57
